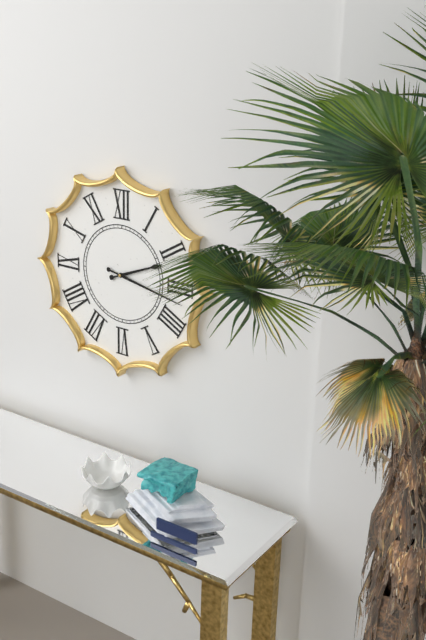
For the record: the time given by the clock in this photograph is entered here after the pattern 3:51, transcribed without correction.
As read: 2:17
